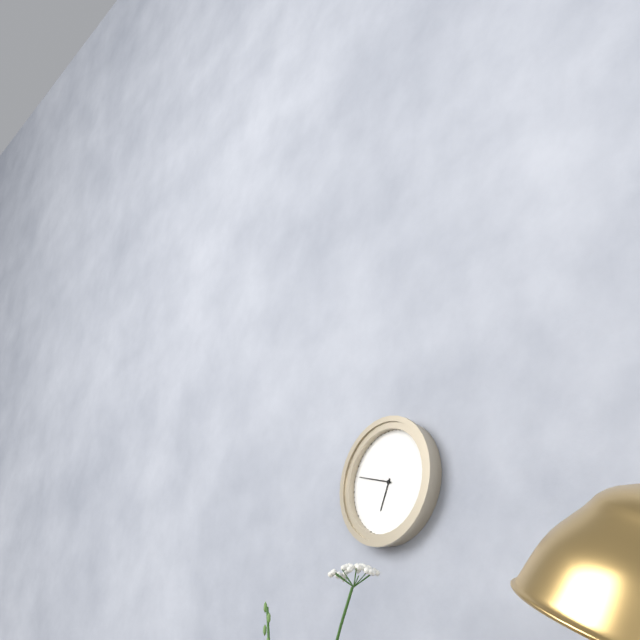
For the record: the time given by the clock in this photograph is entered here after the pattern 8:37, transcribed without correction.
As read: 6:48
